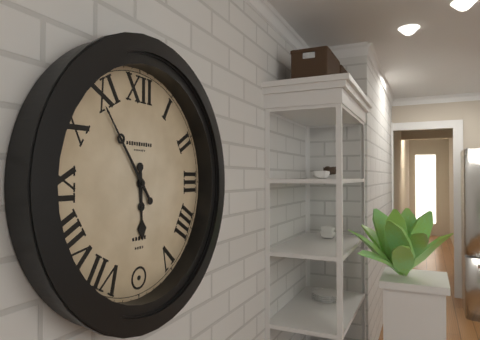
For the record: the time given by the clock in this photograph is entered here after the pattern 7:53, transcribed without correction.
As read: 5:54
